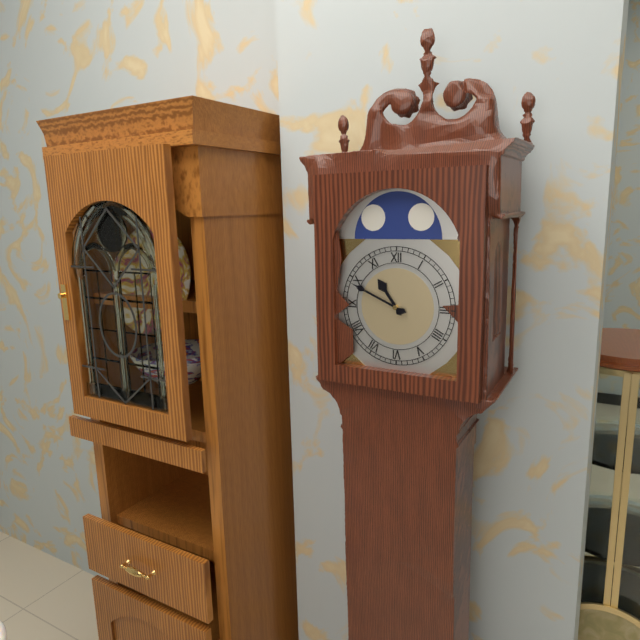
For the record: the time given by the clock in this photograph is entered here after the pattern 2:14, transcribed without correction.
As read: 10:49
